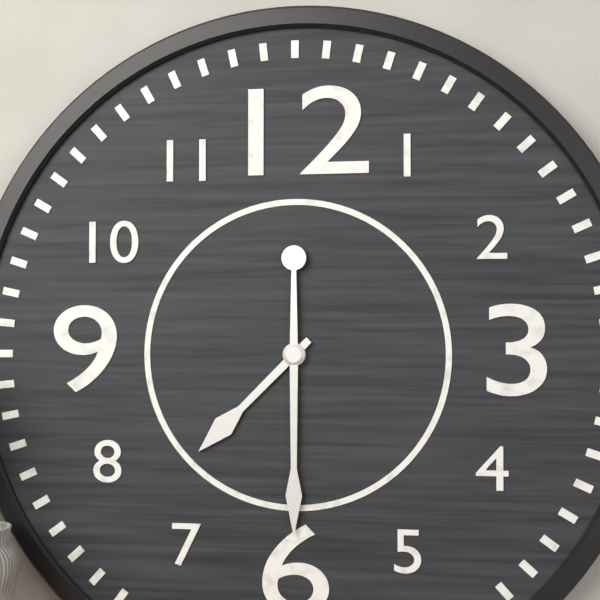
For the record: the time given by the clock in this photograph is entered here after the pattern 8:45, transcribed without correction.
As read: 7:30
